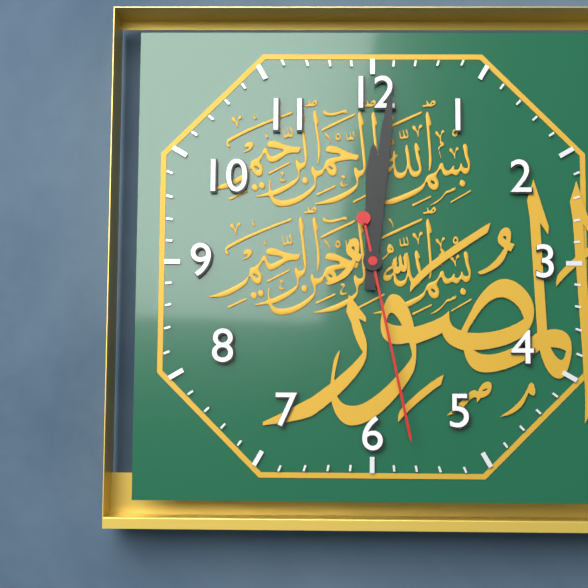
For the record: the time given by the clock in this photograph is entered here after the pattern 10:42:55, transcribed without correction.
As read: 12:01:28
